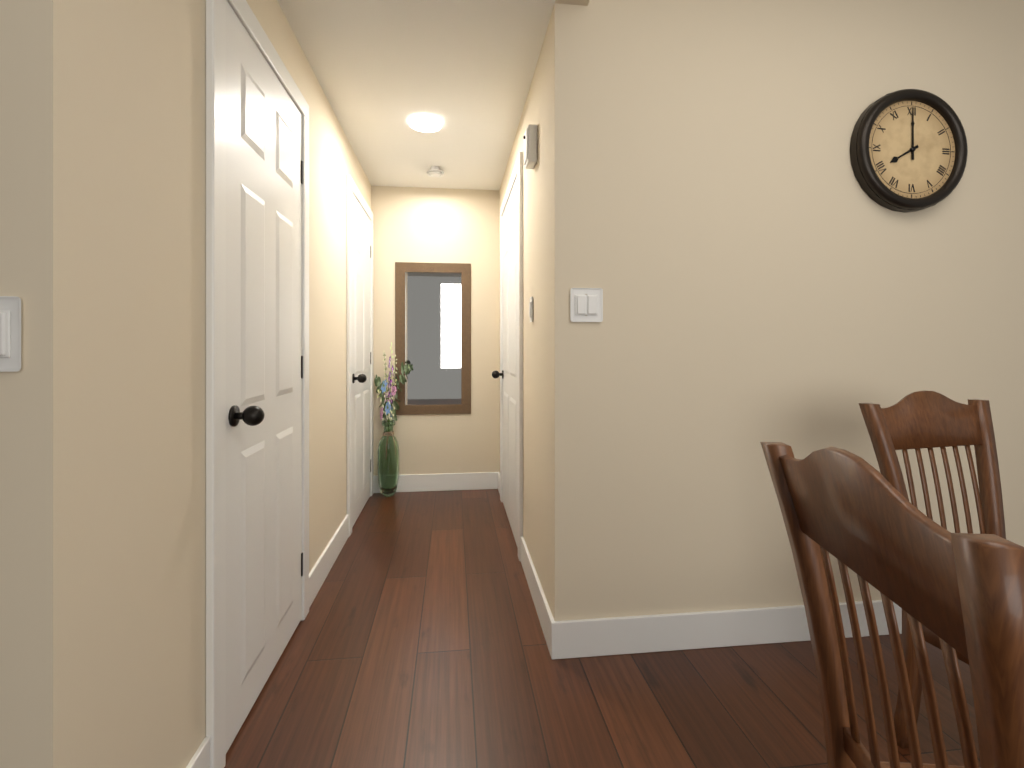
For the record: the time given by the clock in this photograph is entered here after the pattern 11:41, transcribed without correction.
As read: 8:00
